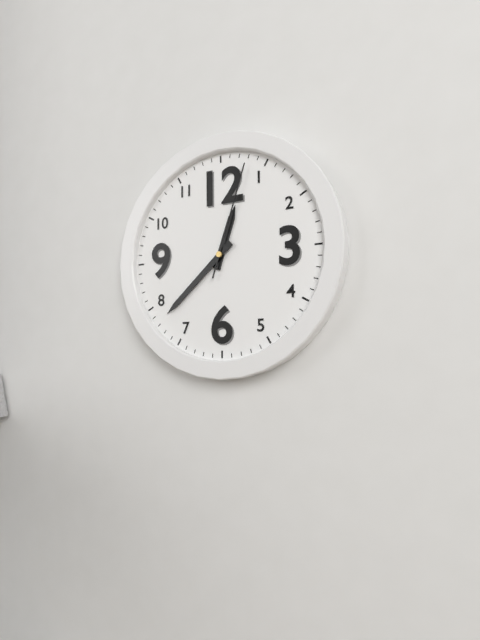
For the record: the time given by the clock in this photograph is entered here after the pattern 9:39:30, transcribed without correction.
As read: 12:38:03
